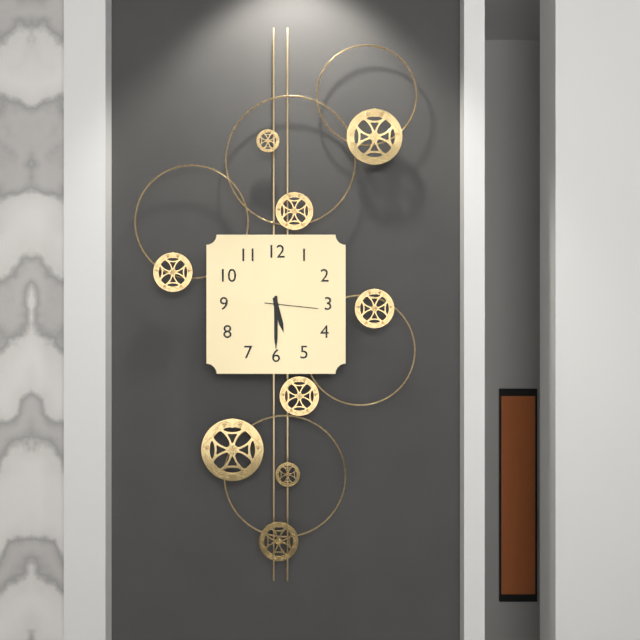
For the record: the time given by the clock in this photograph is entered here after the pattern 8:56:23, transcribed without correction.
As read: 5:30:16
